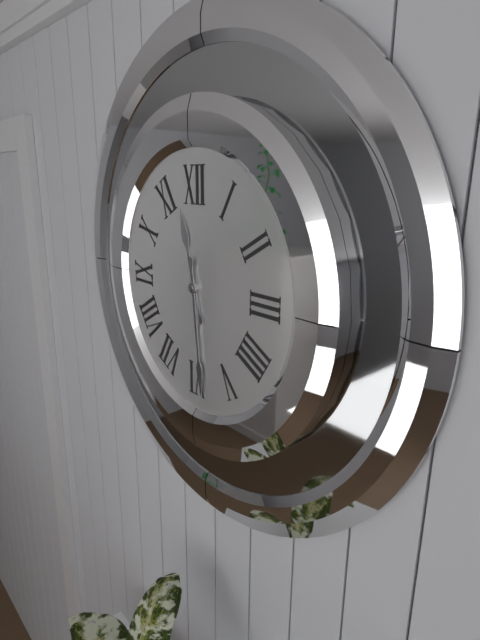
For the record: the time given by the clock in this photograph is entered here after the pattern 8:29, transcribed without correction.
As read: 11:29
